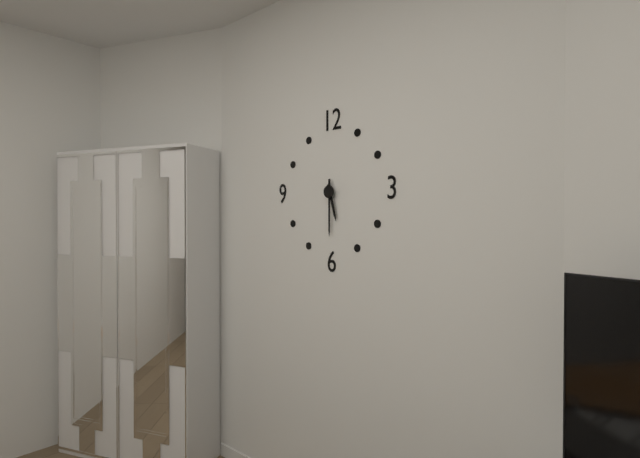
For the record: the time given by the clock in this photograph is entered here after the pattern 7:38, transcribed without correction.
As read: 5:30
